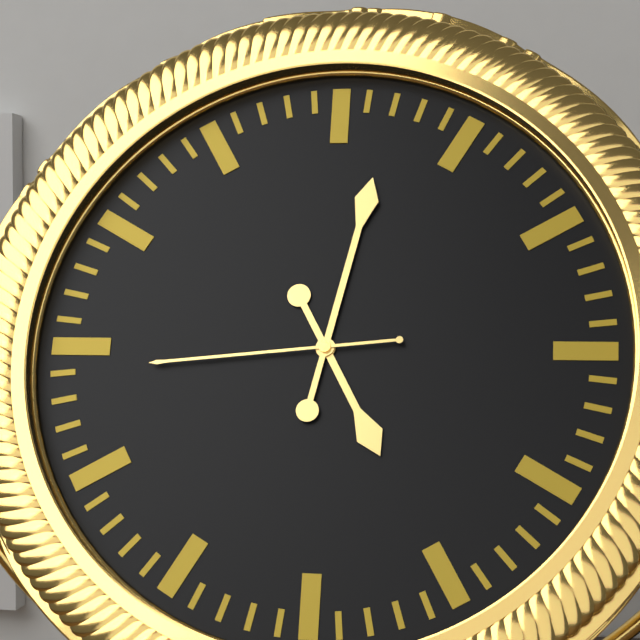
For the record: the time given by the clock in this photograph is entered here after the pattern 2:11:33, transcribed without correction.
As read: 5:02:44
